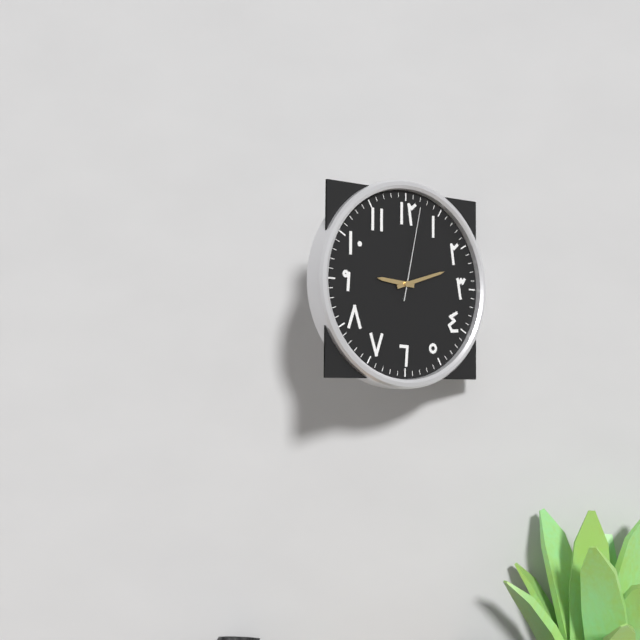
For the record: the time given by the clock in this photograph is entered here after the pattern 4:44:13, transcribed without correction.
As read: 9:12:02
